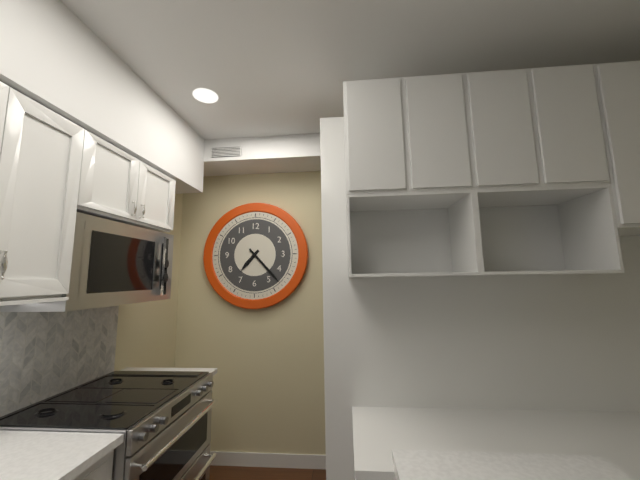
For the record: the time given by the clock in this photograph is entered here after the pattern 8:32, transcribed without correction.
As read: 7:23
